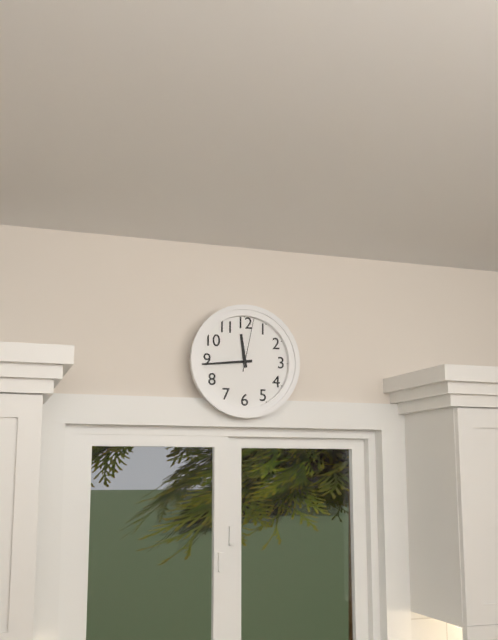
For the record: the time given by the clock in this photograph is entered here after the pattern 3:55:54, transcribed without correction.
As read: 11:44:02
